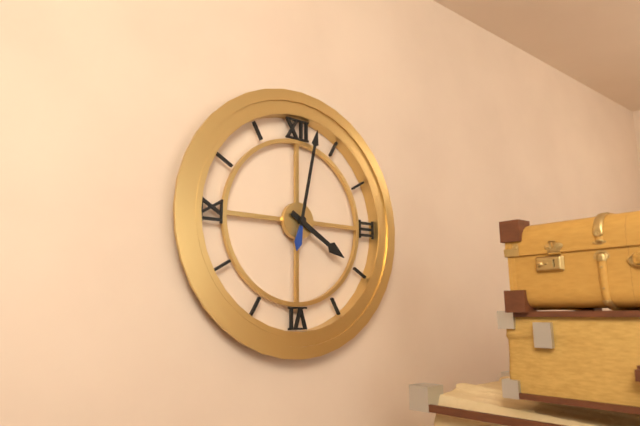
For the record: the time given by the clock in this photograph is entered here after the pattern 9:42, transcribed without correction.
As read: 4:02
